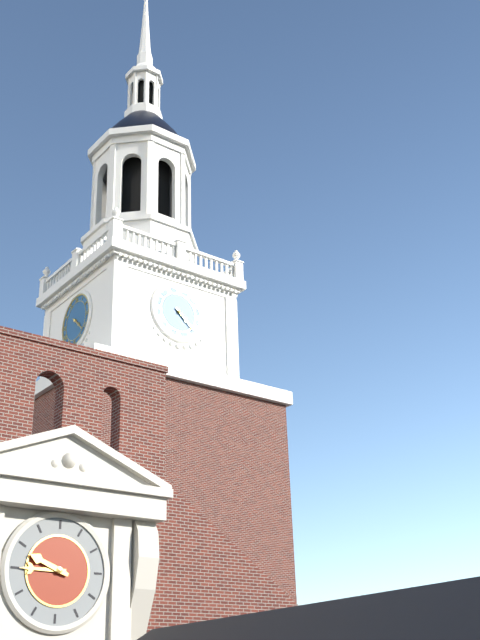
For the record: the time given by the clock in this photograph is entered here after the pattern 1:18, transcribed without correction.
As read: 4:22
